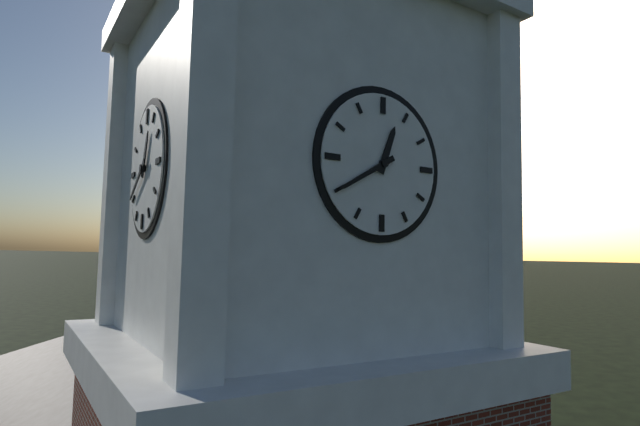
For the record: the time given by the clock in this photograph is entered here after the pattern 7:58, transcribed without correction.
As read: 12:40
